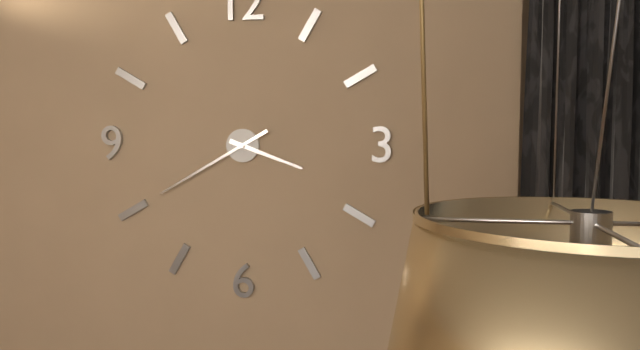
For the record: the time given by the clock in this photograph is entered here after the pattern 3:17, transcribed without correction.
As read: 3:40
